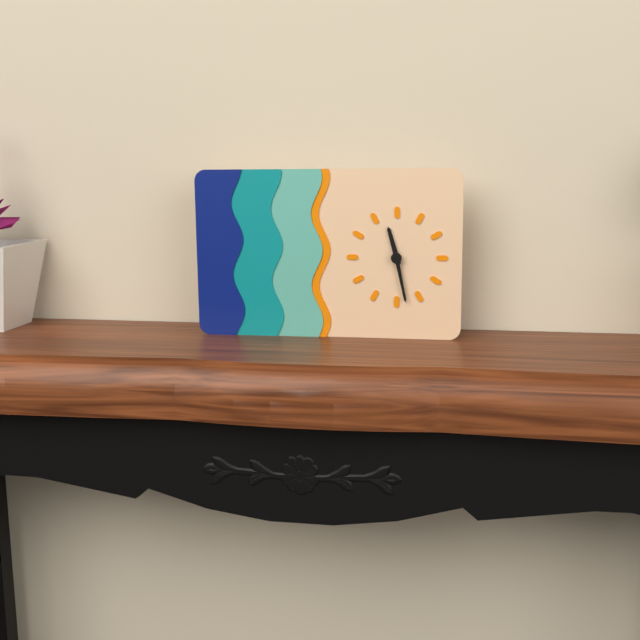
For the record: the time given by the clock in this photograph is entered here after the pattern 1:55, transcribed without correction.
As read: 11:28
